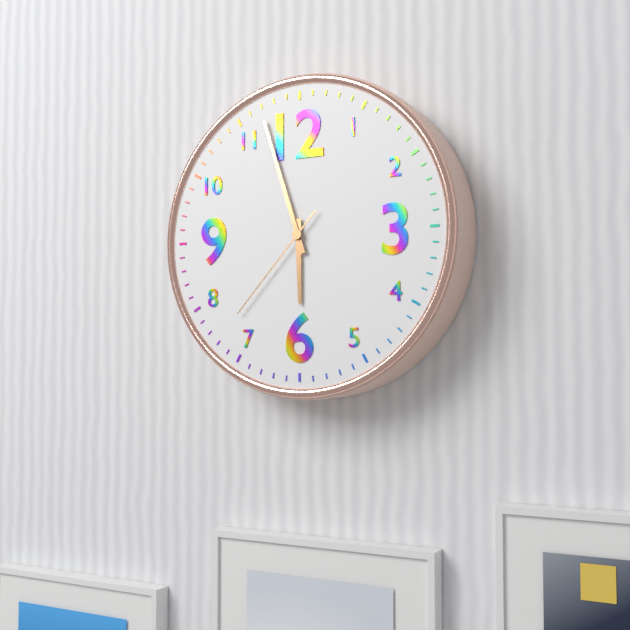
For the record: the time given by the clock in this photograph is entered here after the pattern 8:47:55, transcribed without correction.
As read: 5:57:37
